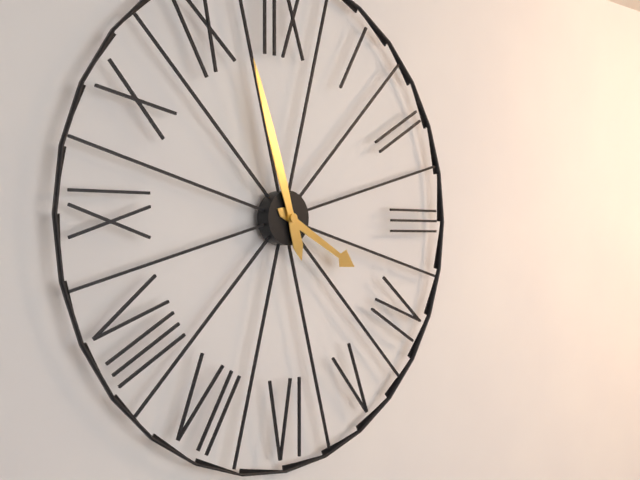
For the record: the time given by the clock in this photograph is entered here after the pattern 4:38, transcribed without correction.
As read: 3:57
